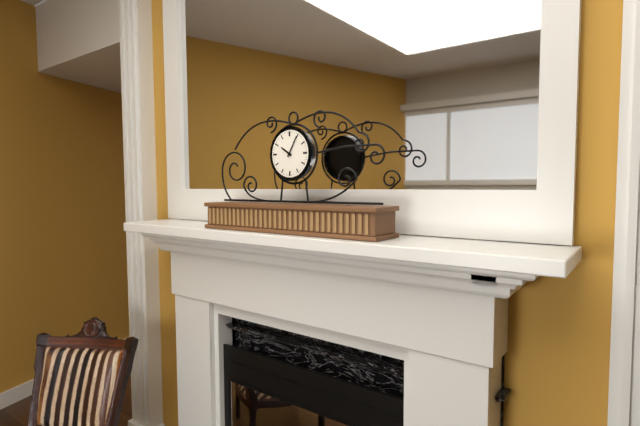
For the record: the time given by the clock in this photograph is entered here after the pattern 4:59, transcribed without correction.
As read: 10:05
